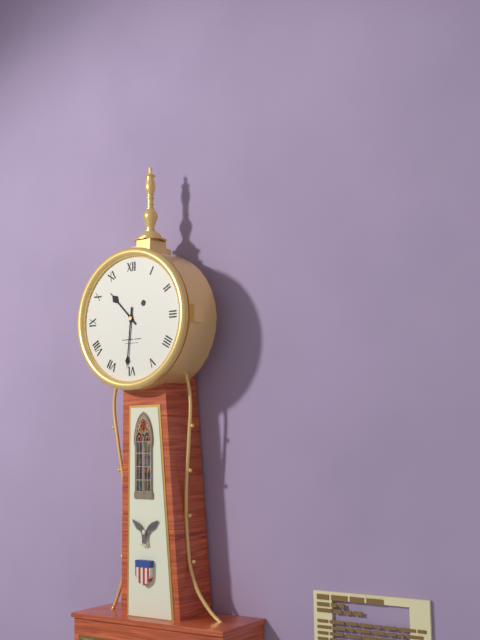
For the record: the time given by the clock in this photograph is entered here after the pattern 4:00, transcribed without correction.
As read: 10:31
